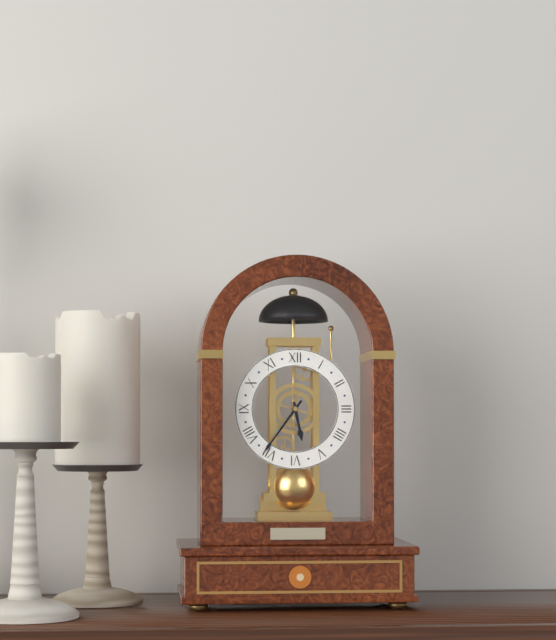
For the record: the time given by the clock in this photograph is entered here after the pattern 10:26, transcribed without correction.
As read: 5:36
